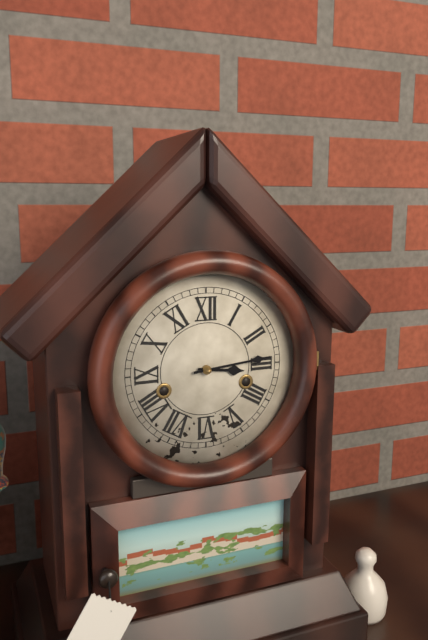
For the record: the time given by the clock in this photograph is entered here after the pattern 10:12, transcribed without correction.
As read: 3:14
